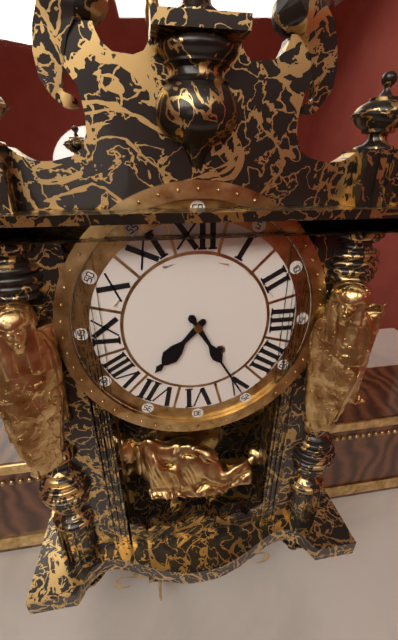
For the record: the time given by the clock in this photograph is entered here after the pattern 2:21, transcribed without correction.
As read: 7:25
